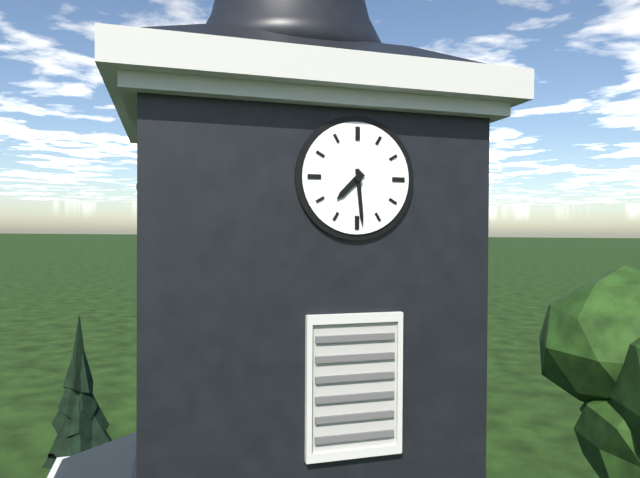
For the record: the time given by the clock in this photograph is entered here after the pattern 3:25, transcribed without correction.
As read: 7:29
